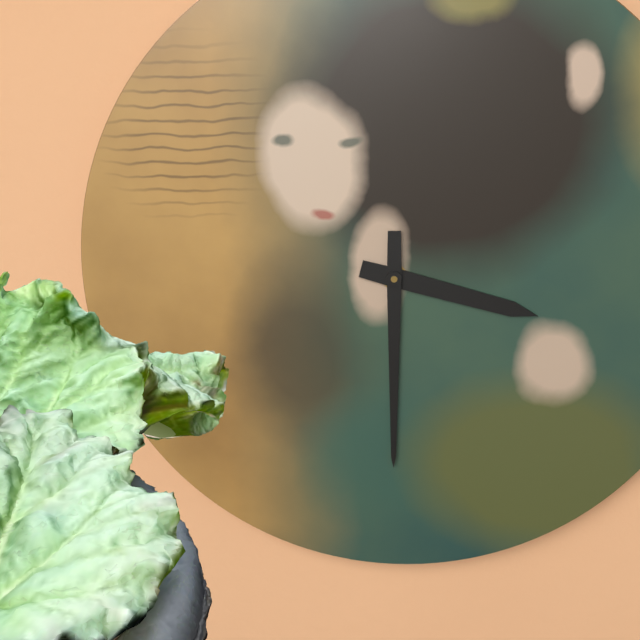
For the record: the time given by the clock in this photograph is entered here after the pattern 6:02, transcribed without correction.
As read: 3:30
